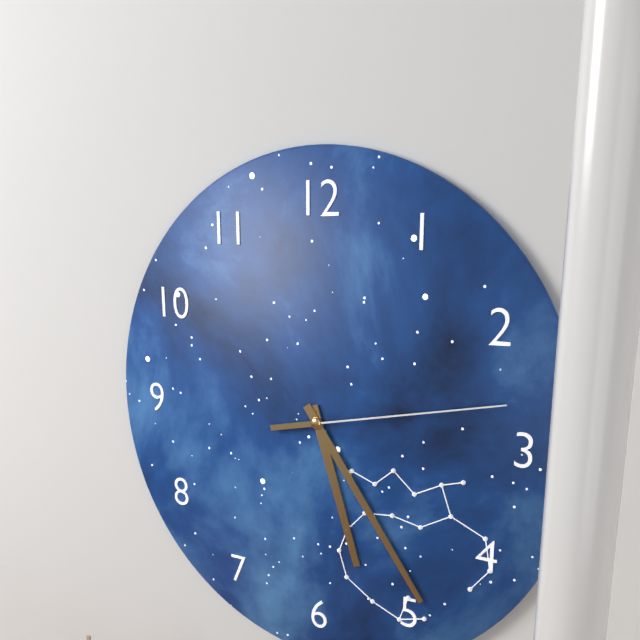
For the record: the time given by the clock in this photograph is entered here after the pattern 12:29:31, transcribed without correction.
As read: 5:24:13
